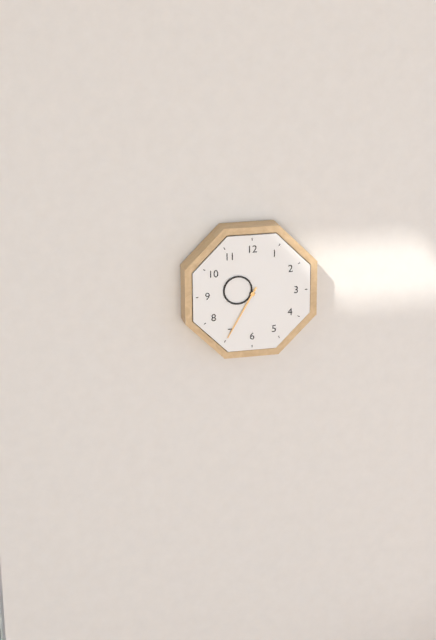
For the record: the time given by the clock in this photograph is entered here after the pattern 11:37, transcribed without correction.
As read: 9:35
